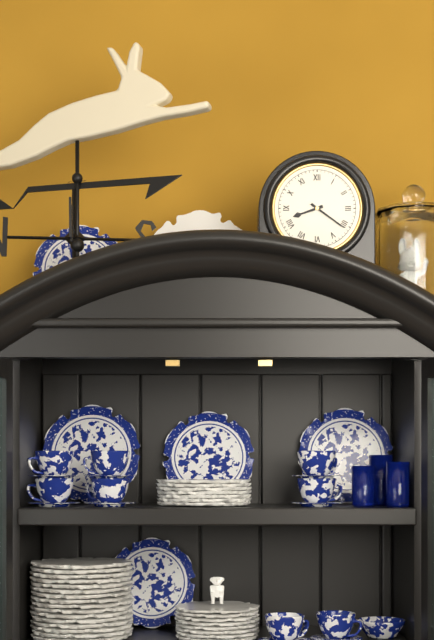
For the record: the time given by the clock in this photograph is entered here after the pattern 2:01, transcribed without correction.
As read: 8:21
